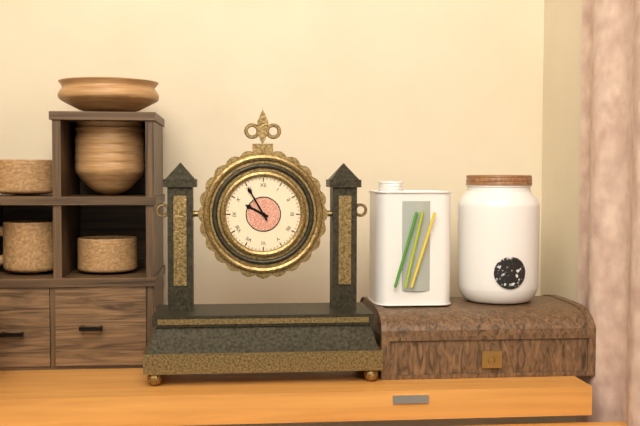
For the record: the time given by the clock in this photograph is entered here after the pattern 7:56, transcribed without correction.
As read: 9:55
